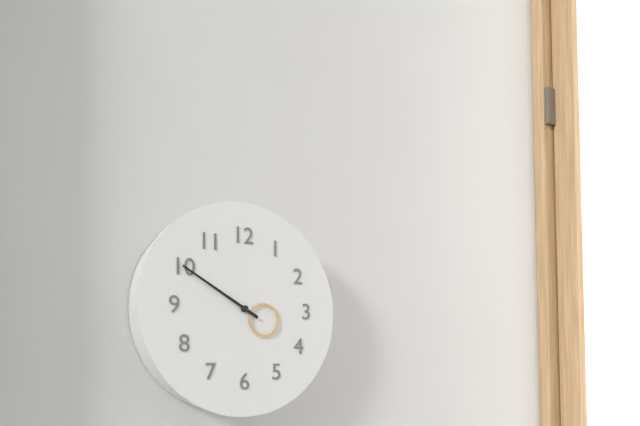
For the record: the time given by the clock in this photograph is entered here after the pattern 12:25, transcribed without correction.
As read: 3:50
